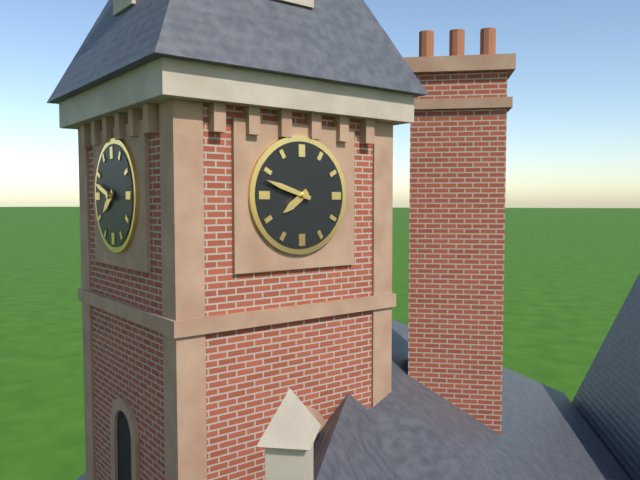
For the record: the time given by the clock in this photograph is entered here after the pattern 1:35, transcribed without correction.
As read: 7:48
